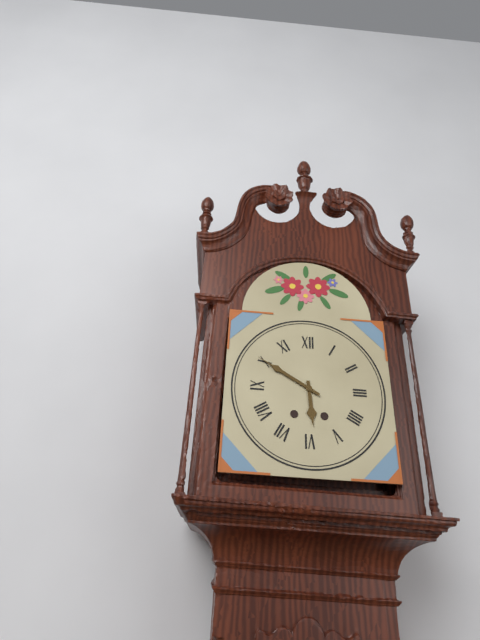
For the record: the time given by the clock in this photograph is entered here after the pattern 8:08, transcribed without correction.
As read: 5:50
